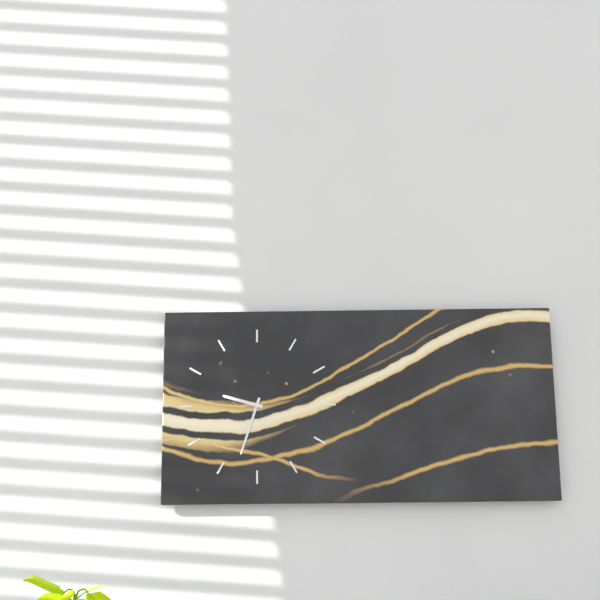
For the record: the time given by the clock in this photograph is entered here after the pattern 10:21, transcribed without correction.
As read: 9:33
